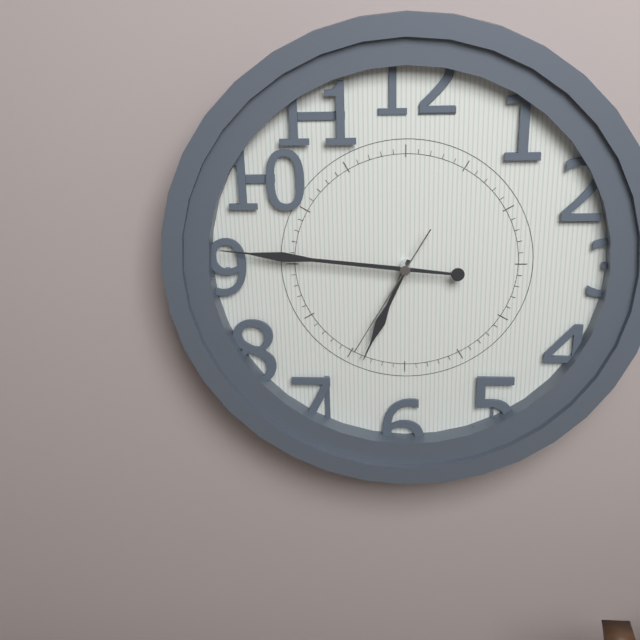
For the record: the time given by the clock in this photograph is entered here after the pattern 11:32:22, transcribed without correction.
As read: 6:46:35
